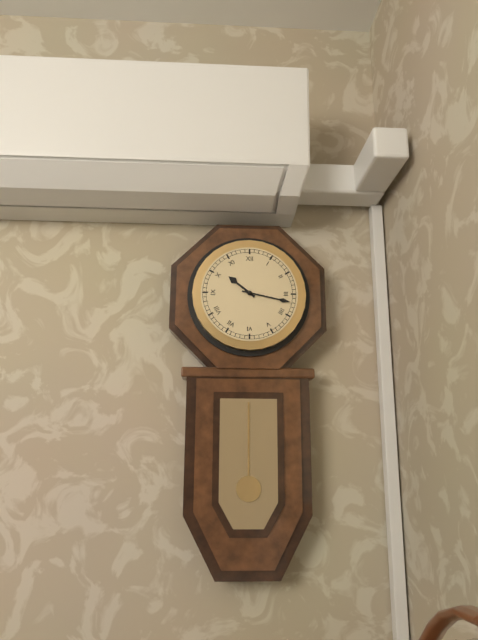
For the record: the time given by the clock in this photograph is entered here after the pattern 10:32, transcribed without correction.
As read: 10:17
